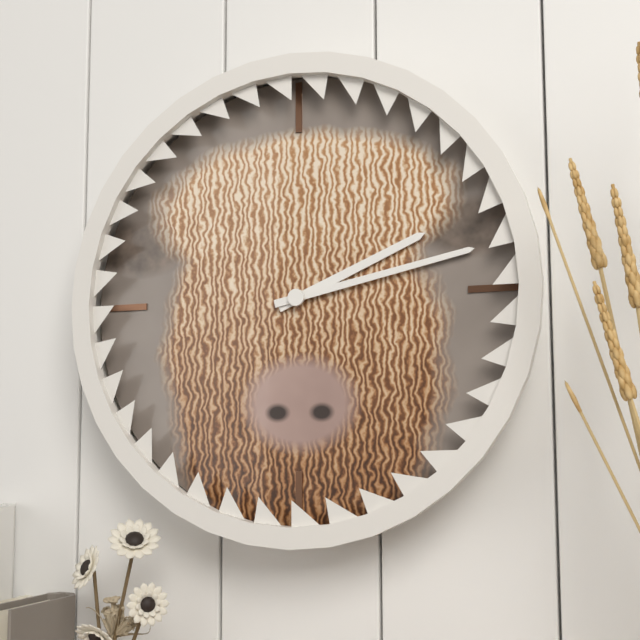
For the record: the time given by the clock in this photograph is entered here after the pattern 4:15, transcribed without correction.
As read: 2:13
